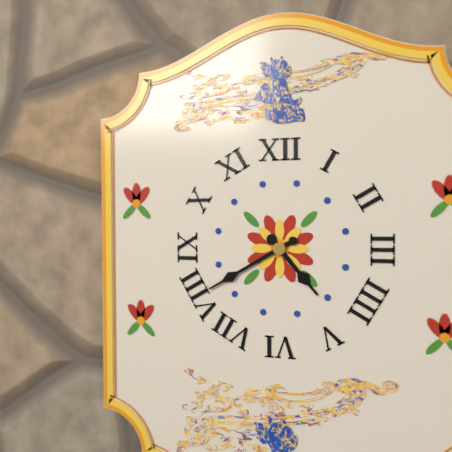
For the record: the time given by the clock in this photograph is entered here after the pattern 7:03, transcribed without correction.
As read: 4:40
